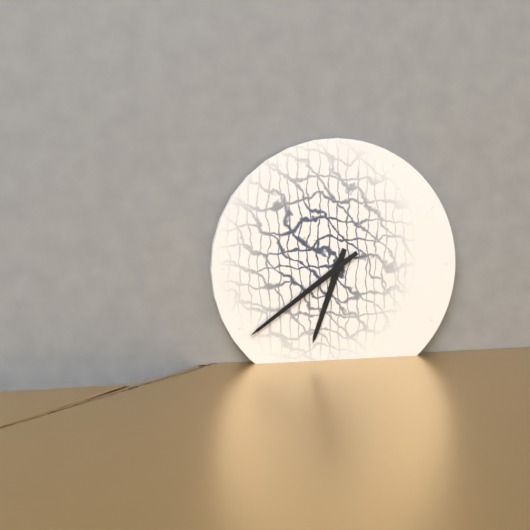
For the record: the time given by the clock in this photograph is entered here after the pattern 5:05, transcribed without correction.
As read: 6:39
